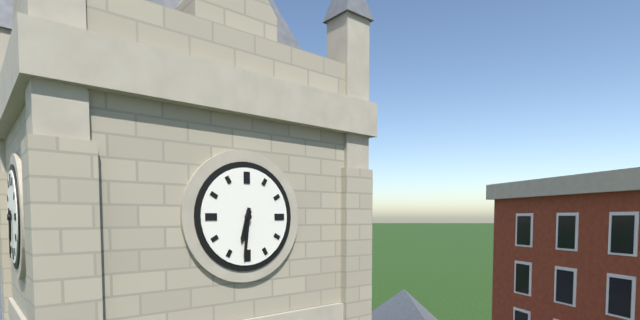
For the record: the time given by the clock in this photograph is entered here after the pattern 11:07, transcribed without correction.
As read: 6:31
